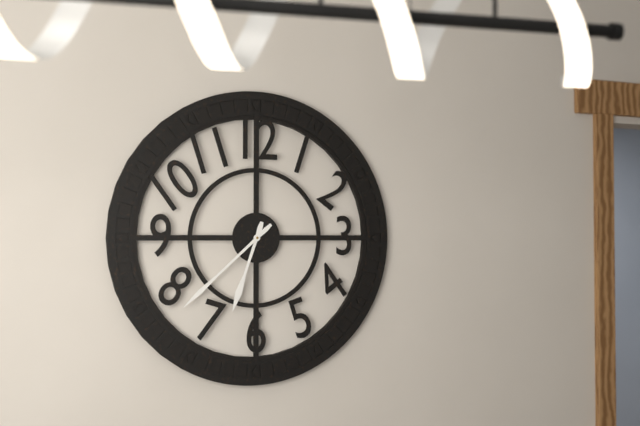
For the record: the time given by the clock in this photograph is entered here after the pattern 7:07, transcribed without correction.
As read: 6:38
